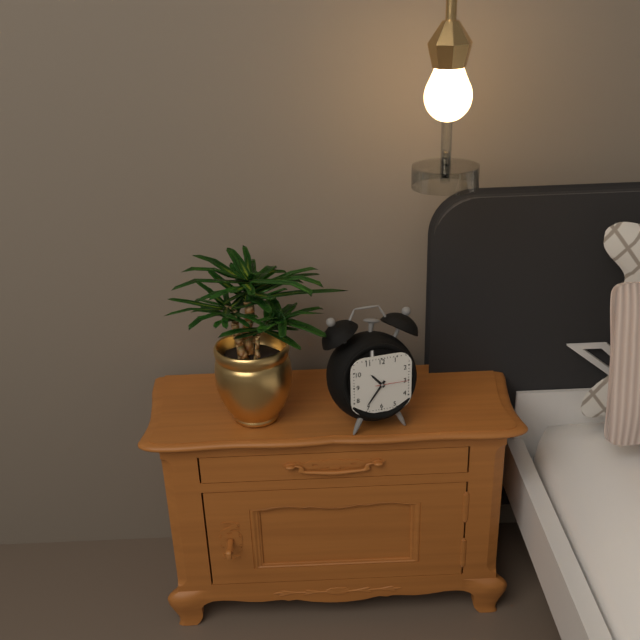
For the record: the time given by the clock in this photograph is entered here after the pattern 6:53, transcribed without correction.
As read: 10:36
